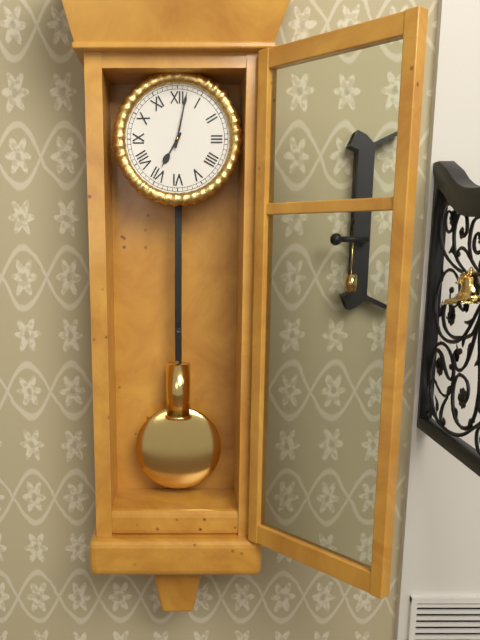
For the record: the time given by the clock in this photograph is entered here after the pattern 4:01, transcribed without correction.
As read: 7:02
